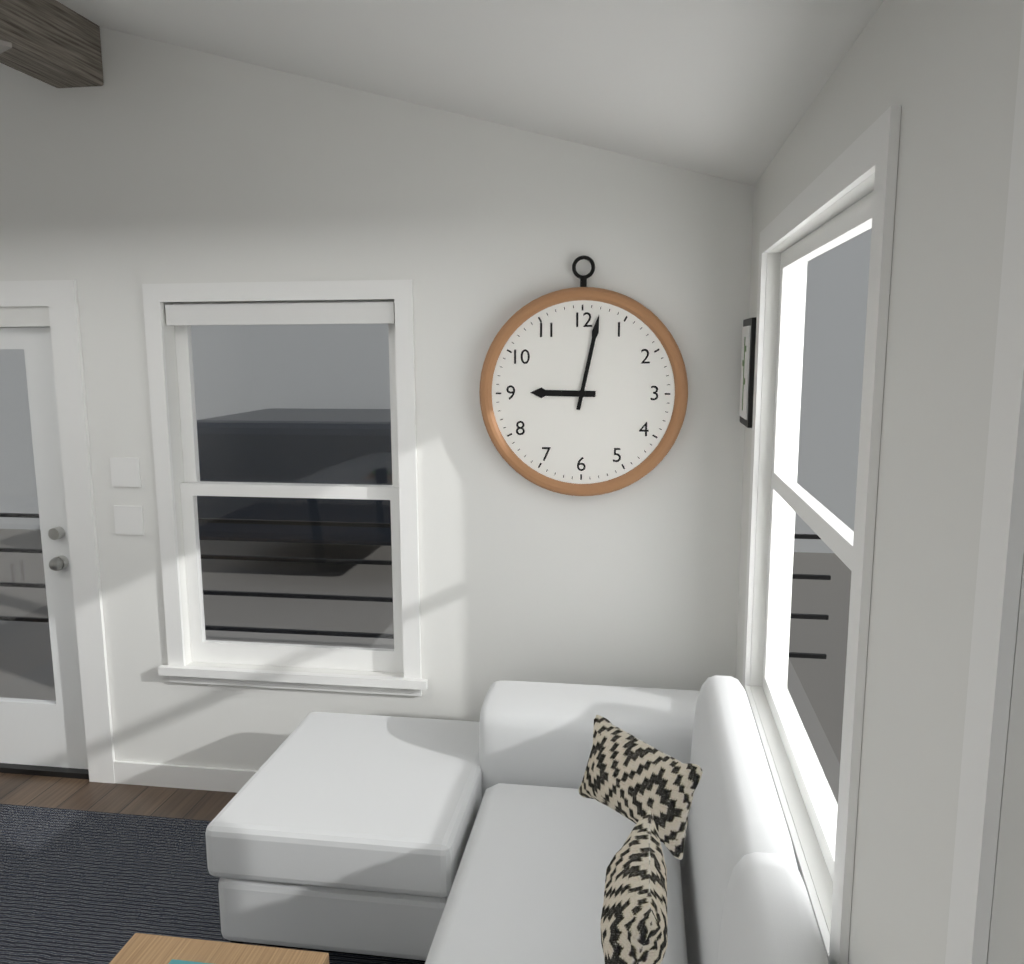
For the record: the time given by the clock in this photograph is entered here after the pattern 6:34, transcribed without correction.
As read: 9:02
